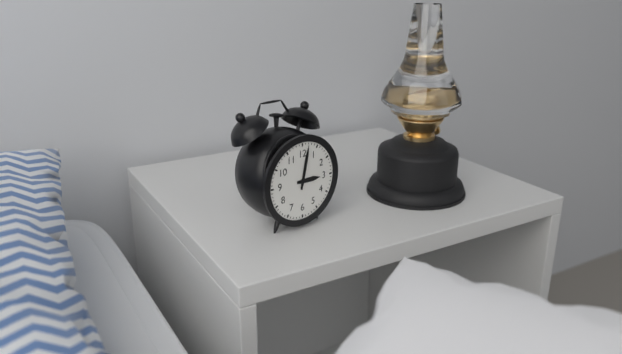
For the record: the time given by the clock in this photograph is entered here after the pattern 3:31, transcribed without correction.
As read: 3:02
